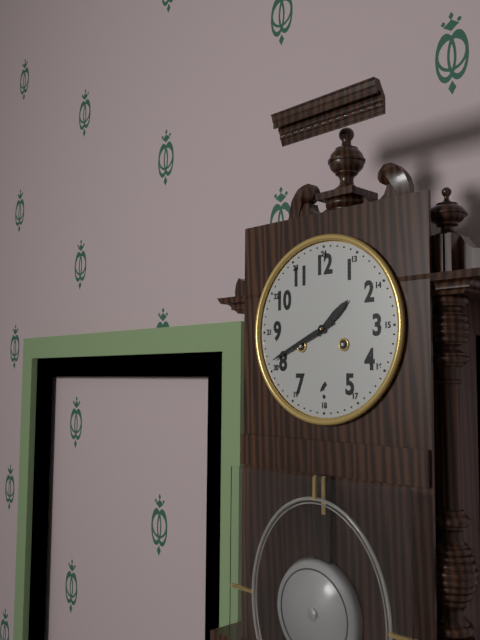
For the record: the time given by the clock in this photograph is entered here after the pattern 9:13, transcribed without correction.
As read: 1:41
